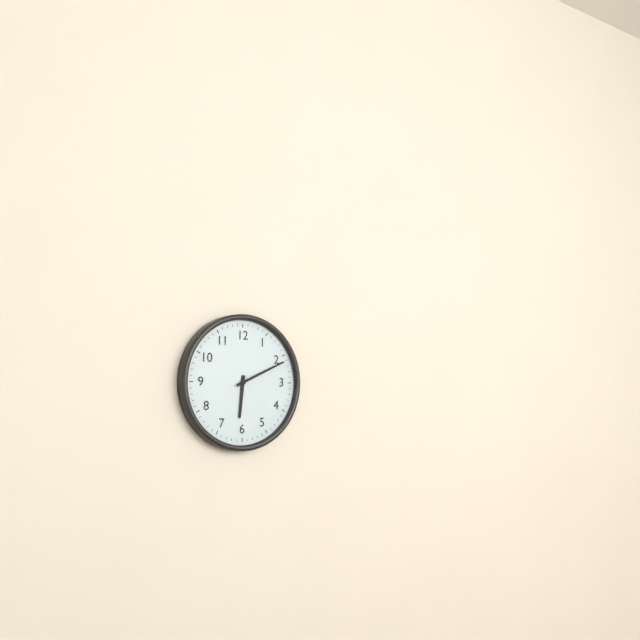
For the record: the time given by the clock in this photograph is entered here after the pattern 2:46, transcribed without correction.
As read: 6:11
